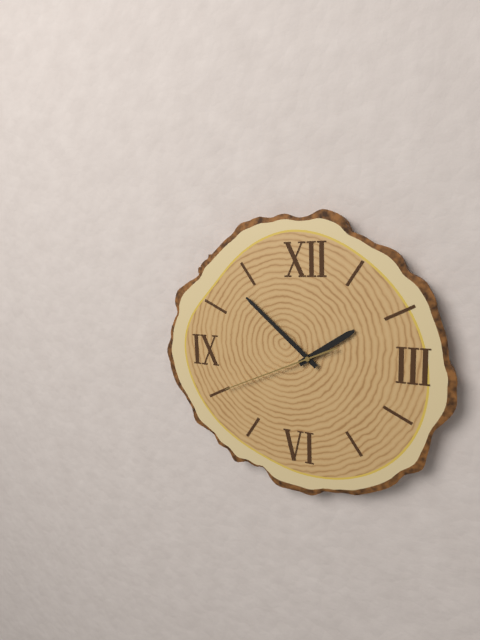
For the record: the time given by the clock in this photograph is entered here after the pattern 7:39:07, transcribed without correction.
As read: 1:52:41
